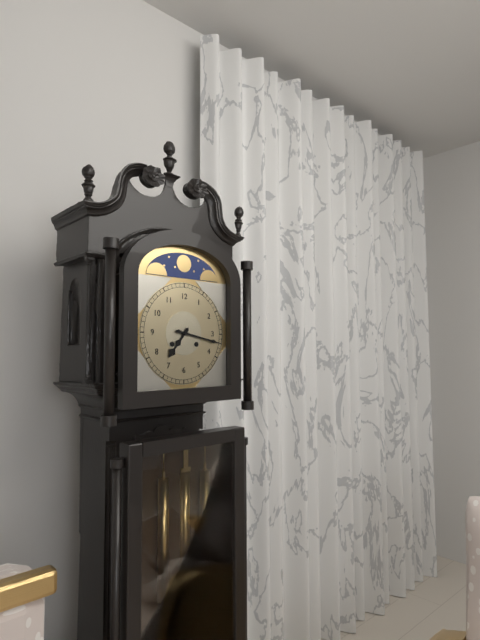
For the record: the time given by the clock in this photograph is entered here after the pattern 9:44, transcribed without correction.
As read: 7:17
